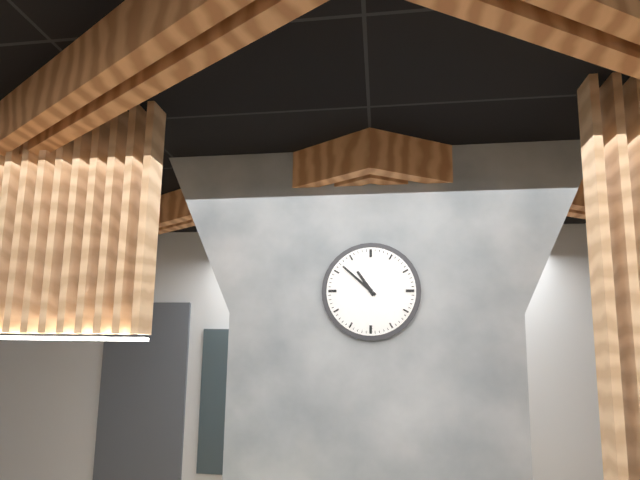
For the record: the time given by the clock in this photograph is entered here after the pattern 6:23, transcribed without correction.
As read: 10:52
